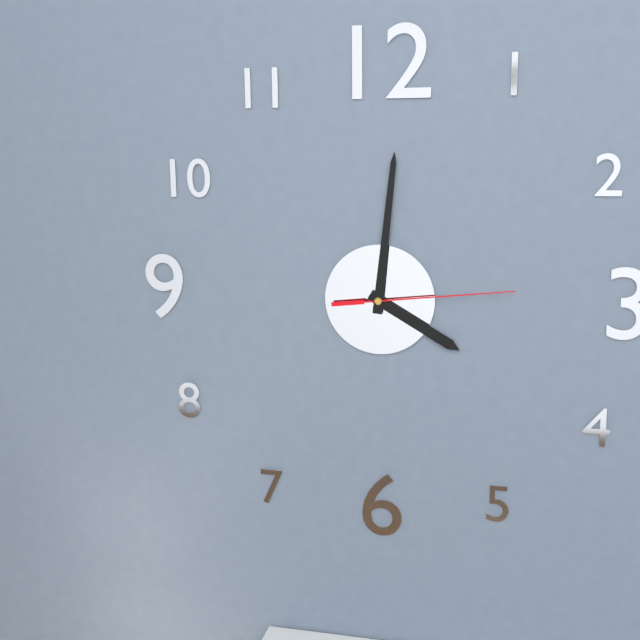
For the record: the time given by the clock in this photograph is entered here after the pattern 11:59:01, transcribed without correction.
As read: 4:01:14
